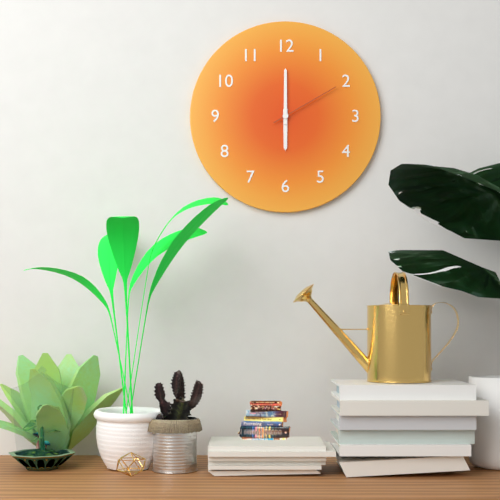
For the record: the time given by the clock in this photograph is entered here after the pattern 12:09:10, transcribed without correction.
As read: 6:00:10
